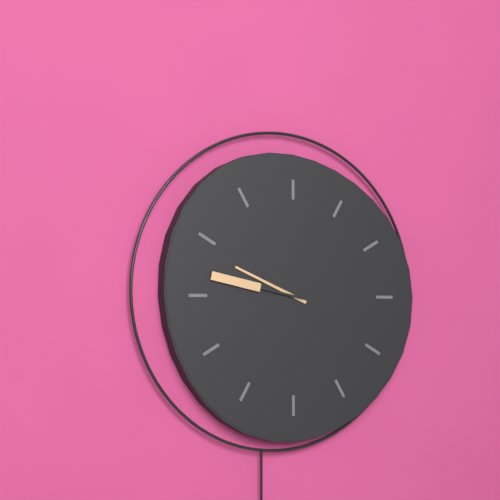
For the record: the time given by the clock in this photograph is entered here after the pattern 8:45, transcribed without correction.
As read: 9:47
